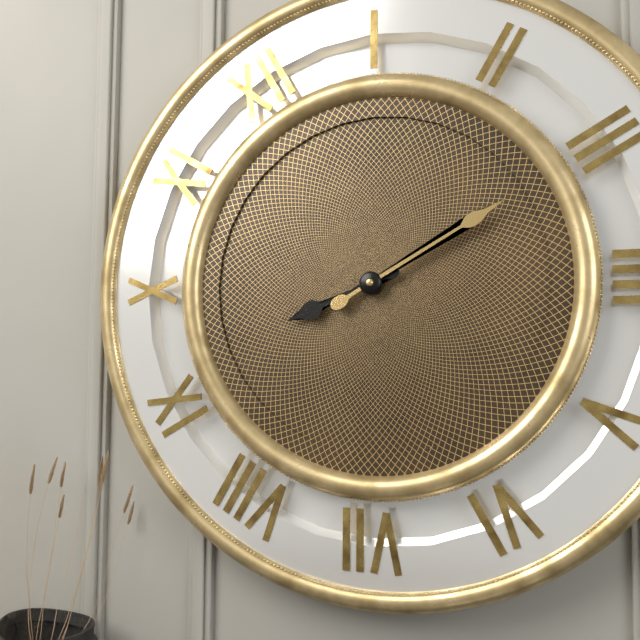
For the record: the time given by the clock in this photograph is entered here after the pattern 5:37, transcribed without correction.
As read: 9:15
